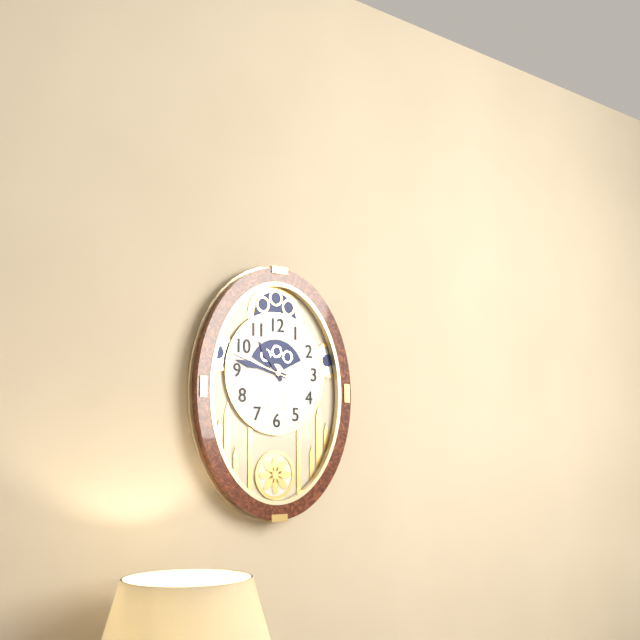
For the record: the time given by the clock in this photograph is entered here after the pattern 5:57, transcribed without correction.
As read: 10:47
